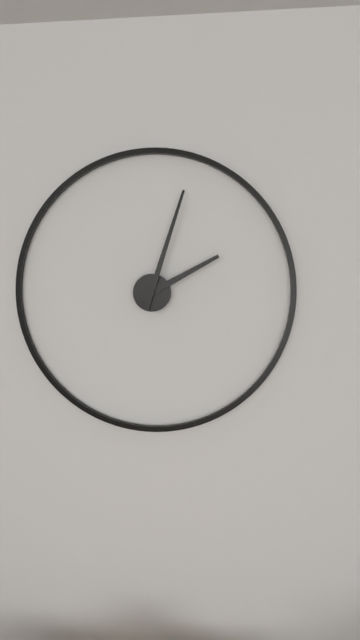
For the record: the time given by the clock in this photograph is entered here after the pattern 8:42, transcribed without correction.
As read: 2:03
